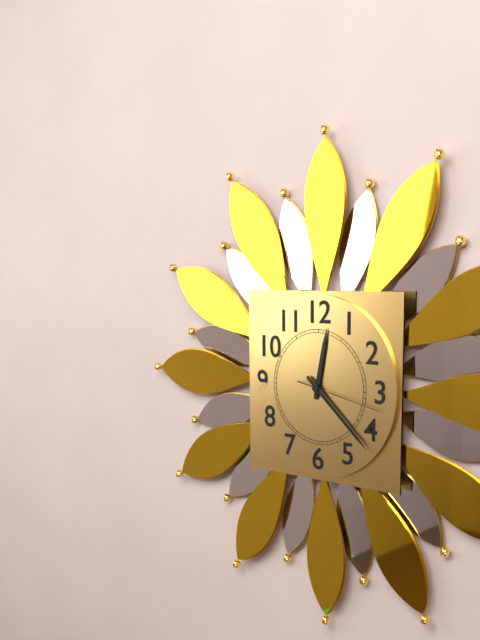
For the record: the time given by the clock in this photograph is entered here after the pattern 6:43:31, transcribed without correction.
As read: 12:22:17
